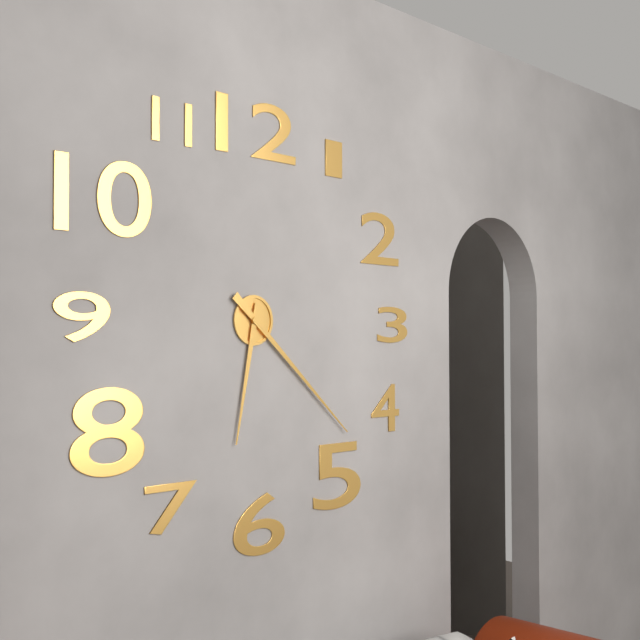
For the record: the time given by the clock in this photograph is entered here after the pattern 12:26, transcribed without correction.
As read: 6:22
